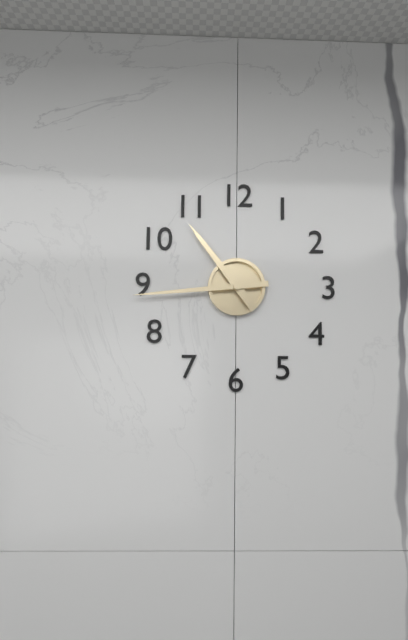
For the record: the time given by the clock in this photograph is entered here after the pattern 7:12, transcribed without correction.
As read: 10:44
